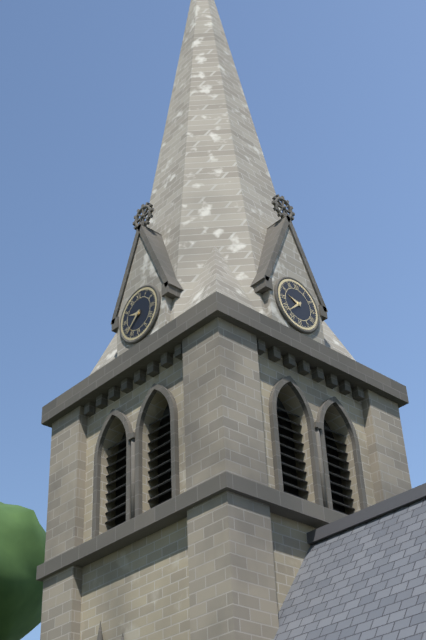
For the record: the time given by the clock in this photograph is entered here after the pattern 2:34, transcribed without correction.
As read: 9:38
